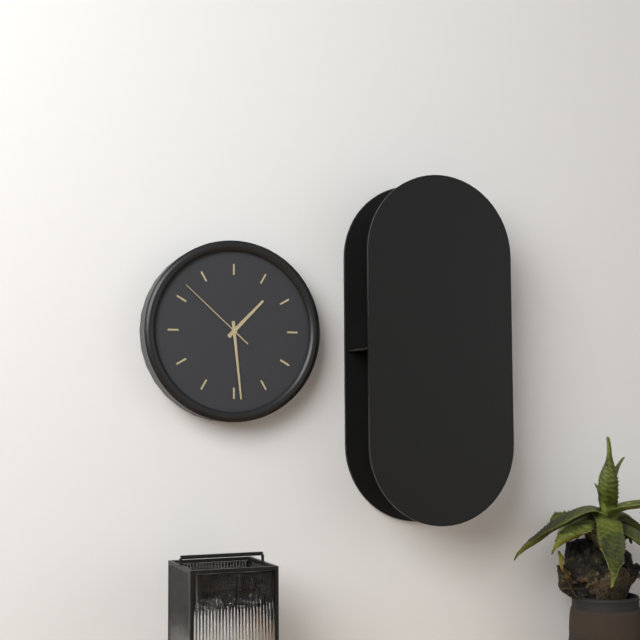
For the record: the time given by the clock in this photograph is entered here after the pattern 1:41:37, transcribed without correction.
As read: 1:29:52
